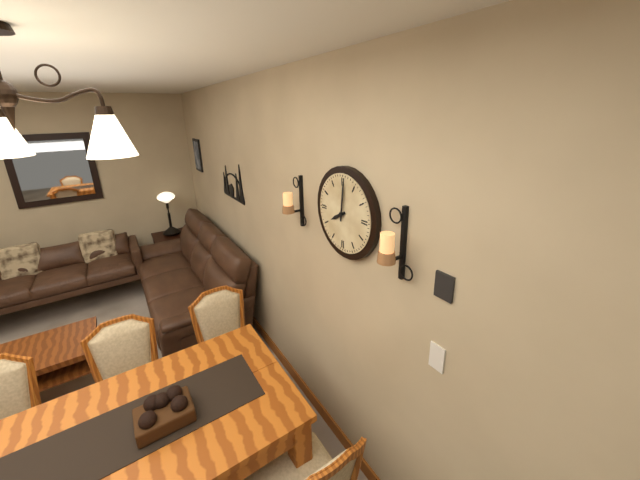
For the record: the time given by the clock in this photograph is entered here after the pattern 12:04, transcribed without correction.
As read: 8:01
